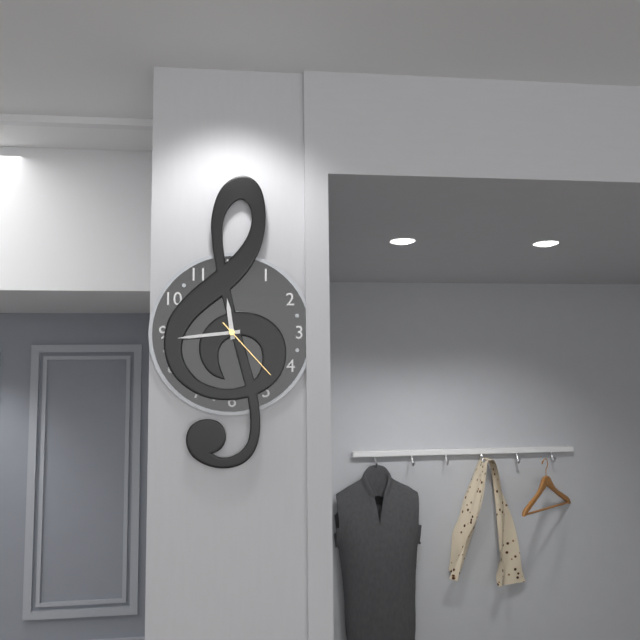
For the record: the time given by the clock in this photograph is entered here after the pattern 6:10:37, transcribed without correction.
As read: 11:44:23
